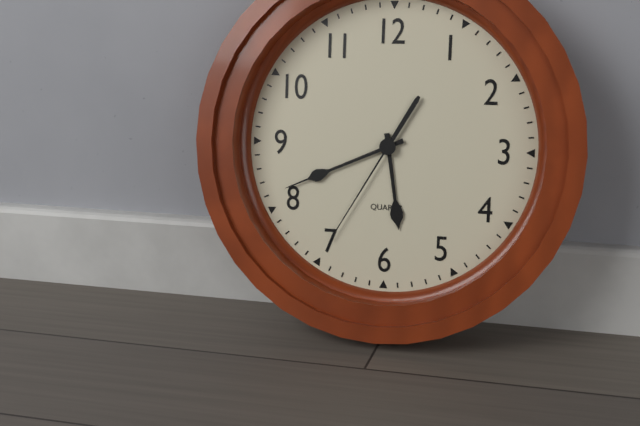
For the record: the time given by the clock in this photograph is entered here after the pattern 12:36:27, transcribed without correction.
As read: 5:41:35
